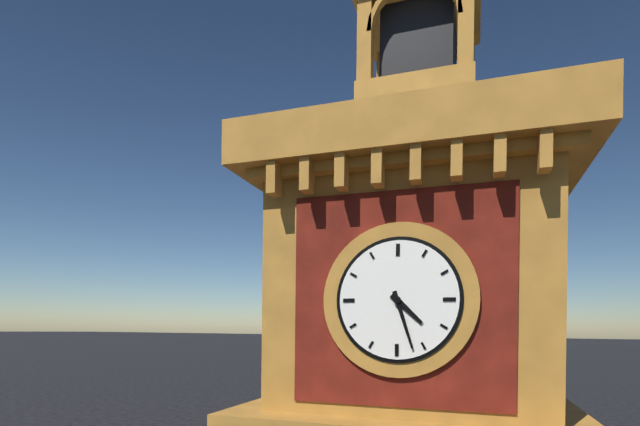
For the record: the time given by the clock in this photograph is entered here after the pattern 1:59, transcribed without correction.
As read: 4:27
